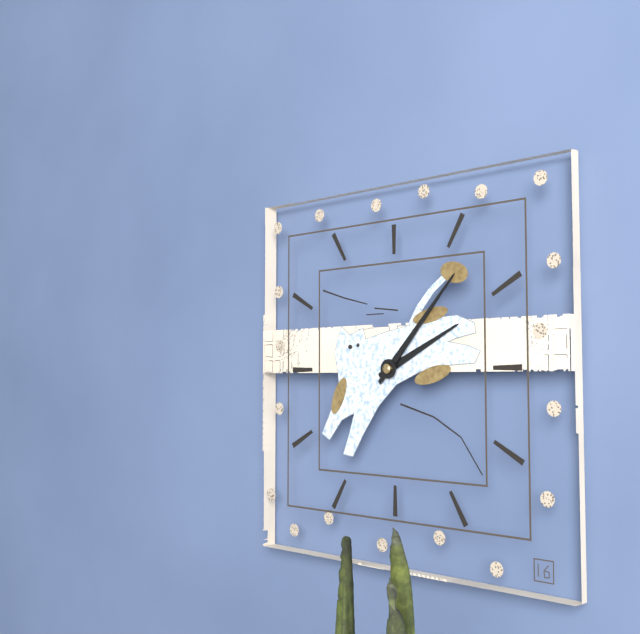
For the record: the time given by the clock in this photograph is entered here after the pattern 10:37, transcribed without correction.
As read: 2:07
